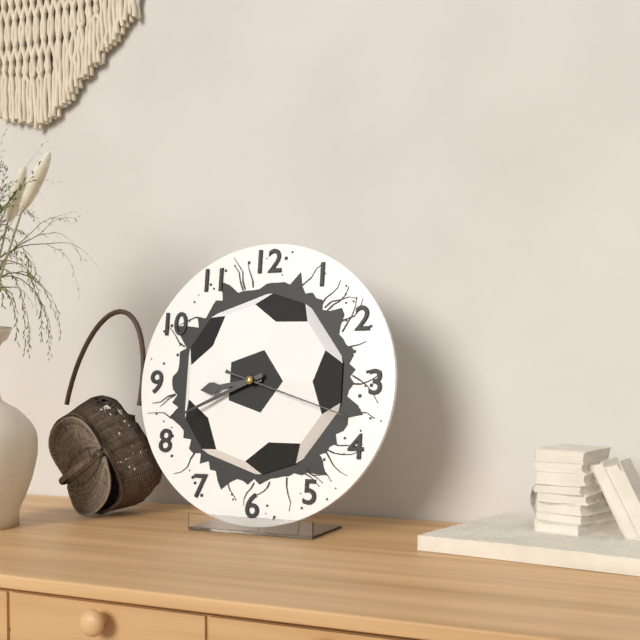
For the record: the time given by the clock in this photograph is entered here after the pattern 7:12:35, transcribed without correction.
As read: 8:41:18
